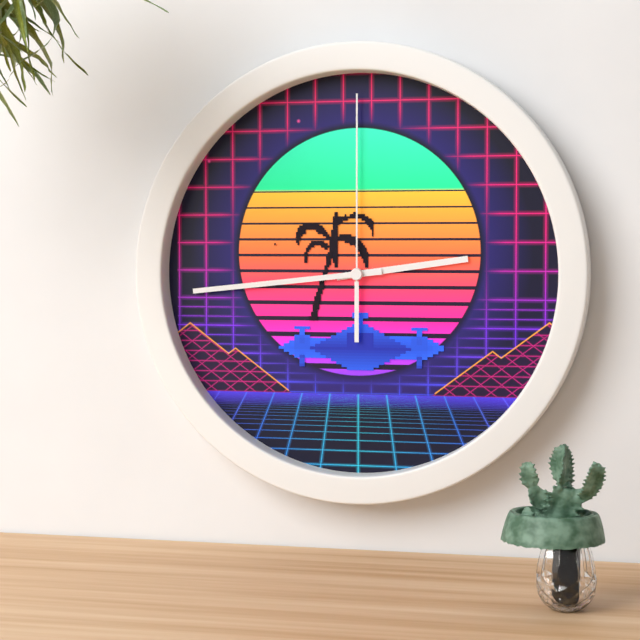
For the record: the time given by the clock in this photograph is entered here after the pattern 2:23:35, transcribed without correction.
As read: 2:44:00
